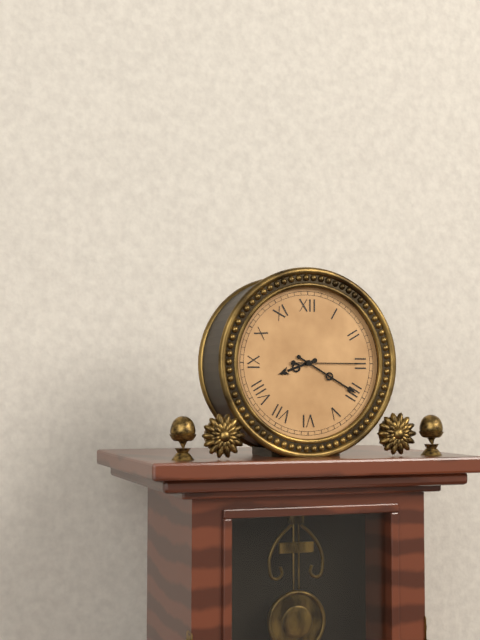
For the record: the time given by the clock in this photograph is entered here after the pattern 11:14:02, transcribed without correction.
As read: 8:20:15
